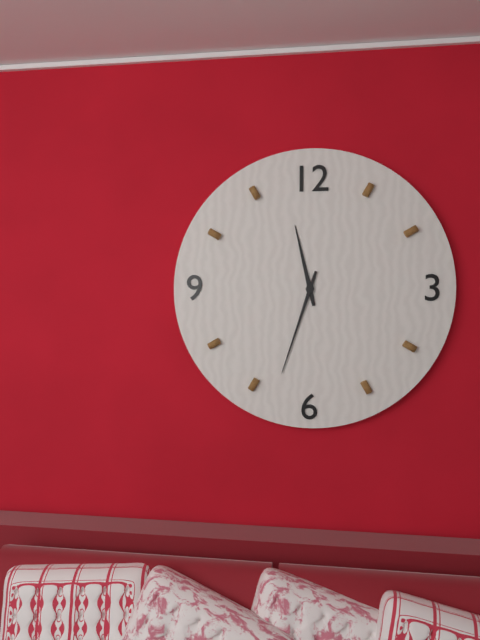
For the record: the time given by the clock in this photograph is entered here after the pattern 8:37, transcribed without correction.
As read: 11:33
